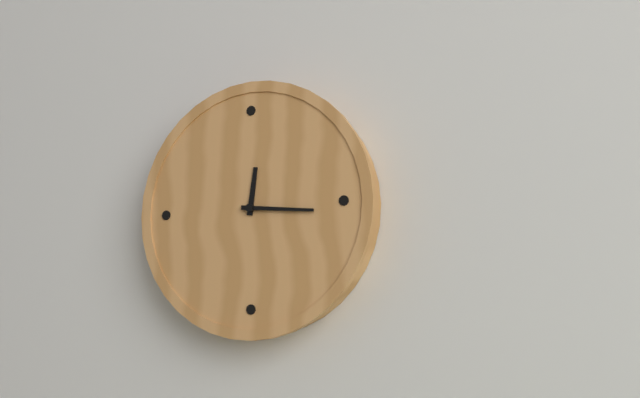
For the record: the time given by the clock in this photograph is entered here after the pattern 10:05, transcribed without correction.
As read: 12:16
